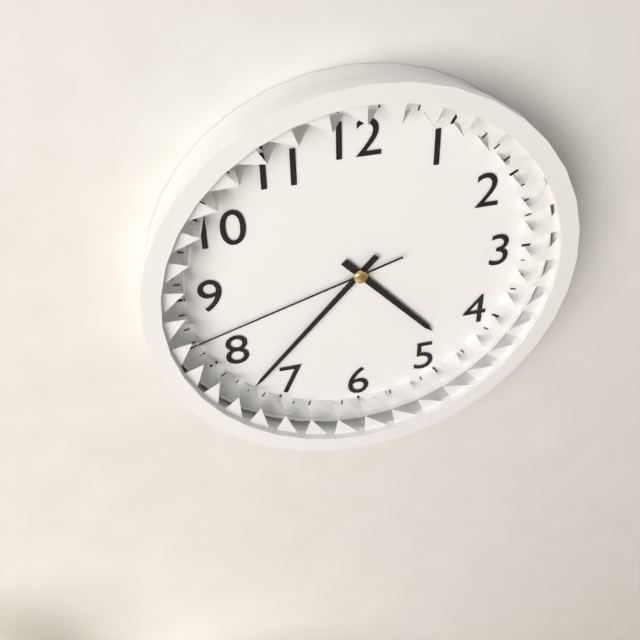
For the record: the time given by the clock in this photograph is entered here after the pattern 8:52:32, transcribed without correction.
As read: 4:37:42
